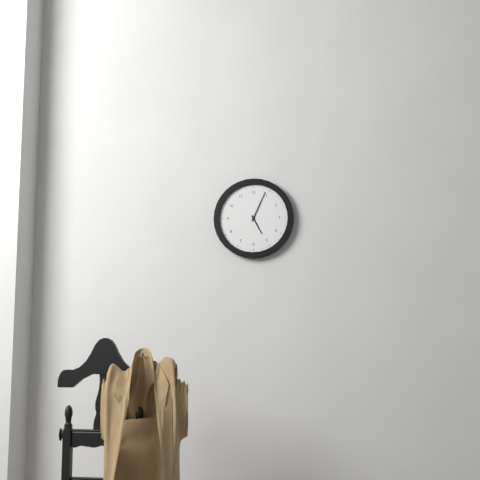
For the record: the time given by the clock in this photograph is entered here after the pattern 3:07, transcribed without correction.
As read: 5:04
